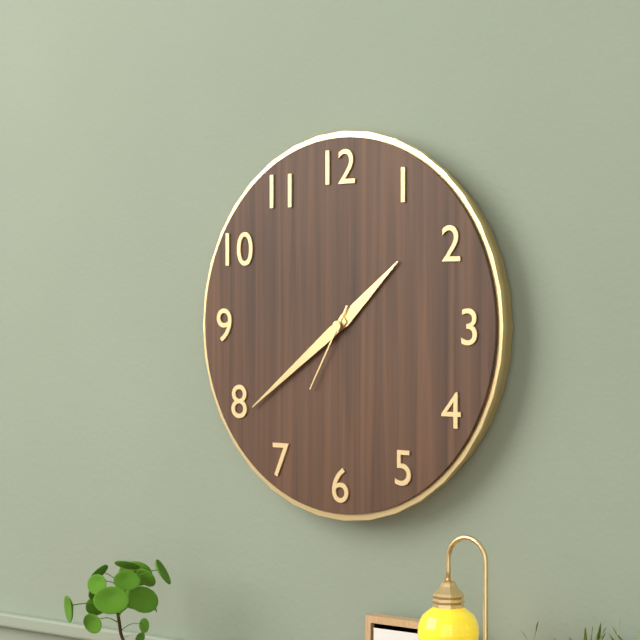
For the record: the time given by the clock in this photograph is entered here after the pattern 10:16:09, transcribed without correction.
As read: 1:39:35
